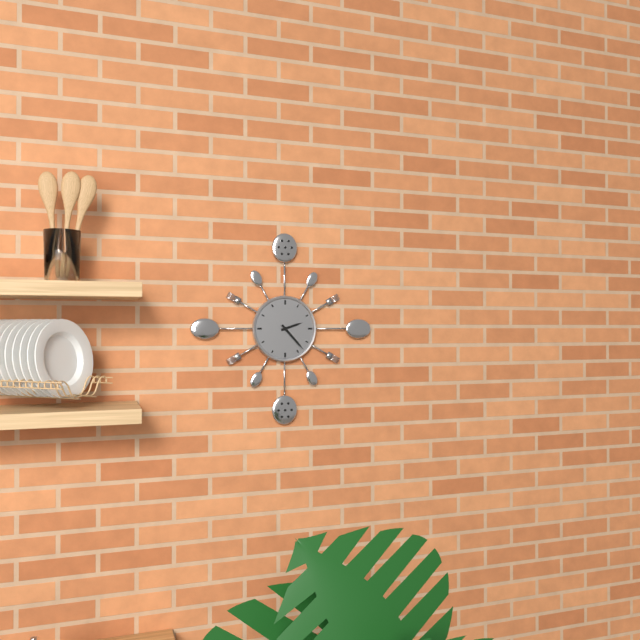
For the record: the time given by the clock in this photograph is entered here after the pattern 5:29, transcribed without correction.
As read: 2:23
